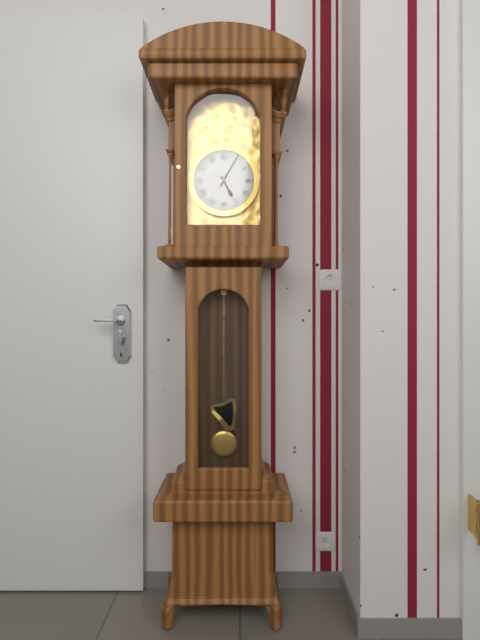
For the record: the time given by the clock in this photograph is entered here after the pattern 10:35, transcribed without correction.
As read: 5:05
